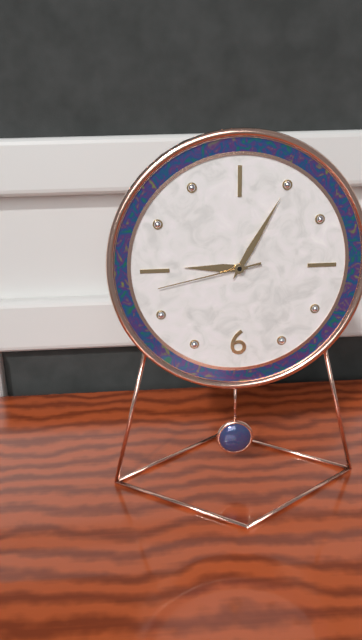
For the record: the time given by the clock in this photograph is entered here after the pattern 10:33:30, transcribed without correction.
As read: 9:05:43
